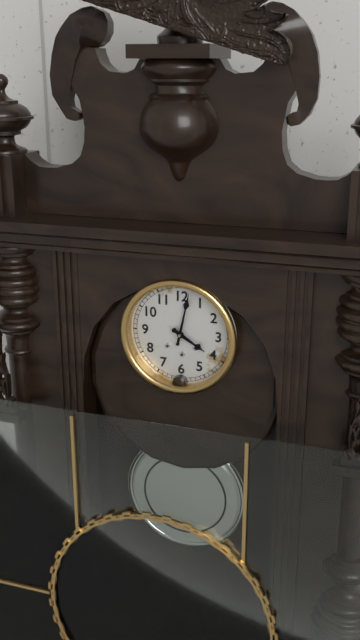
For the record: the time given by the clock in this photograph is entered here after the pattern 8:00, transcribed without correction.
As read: 4:02
